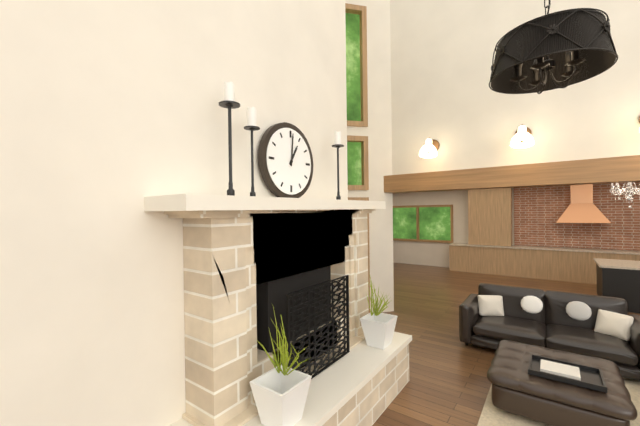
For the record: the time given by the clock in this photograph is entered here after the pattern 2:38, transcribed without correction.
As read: 1:01
